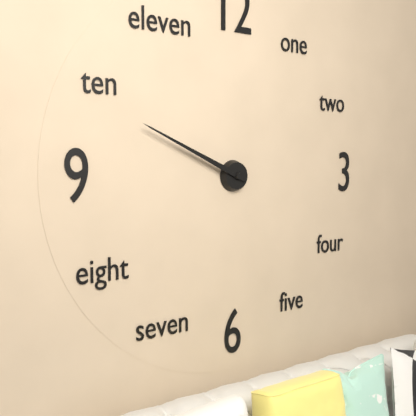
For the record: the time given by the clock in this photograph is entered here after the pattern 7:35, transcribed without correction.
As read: 9:49
